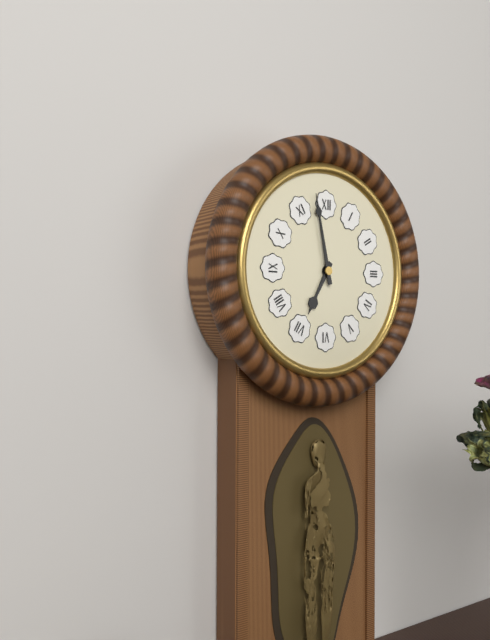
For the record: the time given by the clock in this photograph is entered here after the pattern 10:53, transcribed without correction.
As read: 6:58
